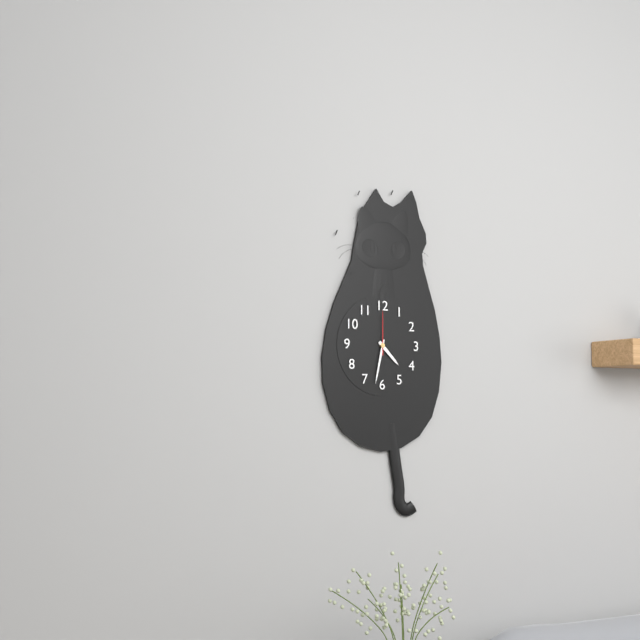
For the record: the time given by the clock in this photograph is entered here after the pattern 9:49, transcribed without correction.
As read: 4:32
